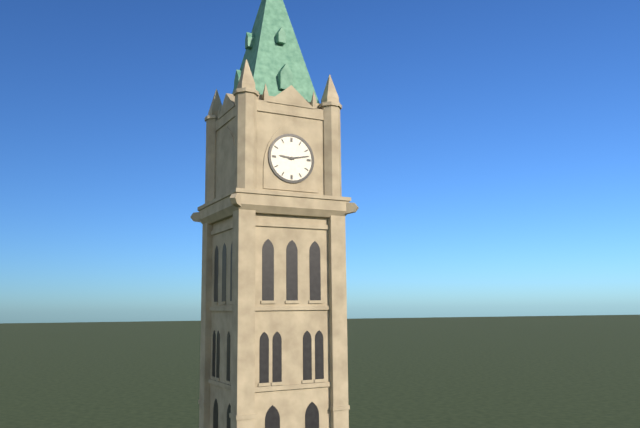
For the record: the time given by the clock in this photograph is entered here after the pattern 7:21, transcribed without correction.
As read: 9:13
